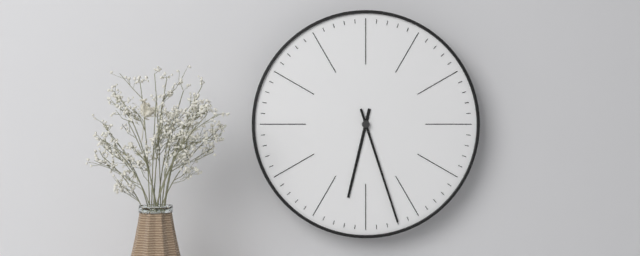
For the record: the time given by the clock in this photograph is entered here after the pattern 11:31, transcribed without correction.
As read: 6:27
